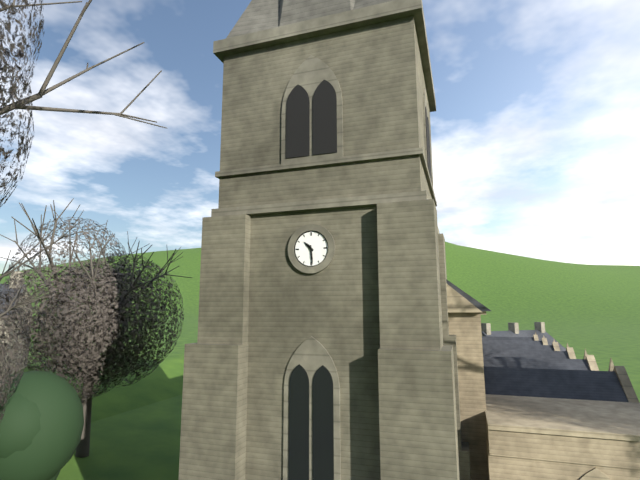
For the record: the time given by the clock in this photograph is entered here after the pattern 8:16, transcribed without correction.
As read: 10:29
